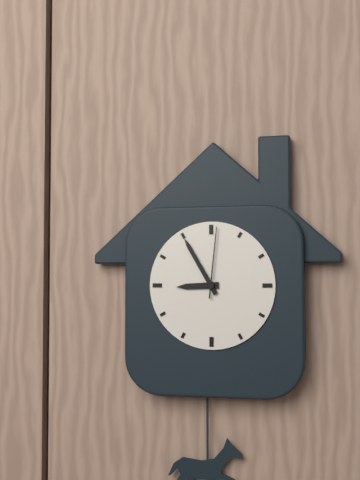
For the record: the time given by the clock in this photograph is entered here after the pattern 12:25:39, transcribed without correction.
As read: 8:55:01
